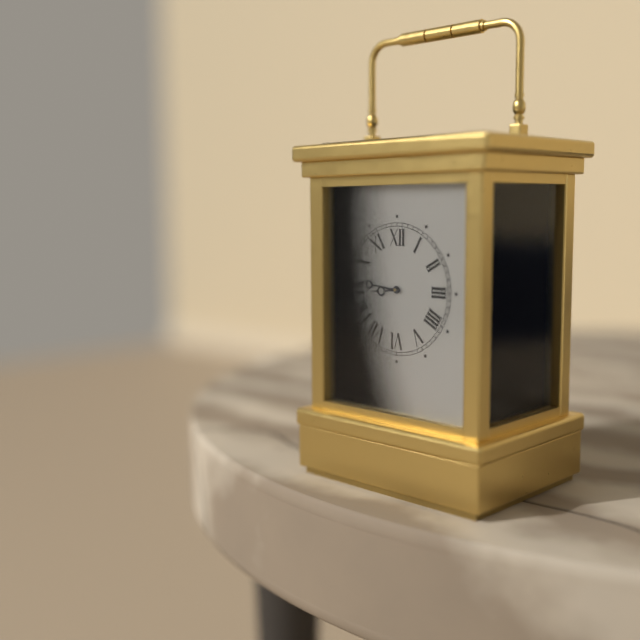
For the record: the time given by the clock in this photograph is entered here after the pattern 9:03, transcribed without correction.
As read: 8:46
